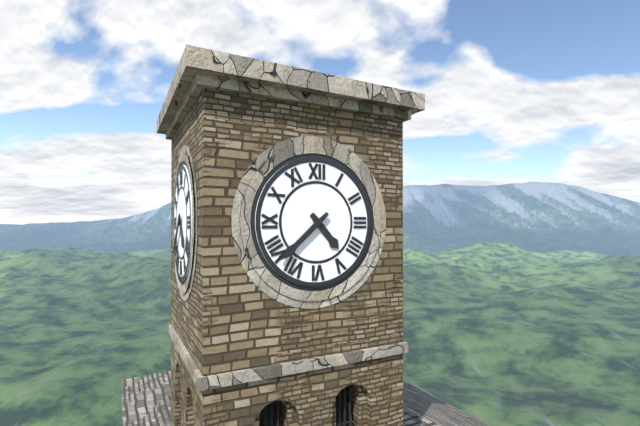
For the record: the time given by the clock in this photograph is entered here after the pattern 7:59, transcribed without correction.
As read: 4:38
